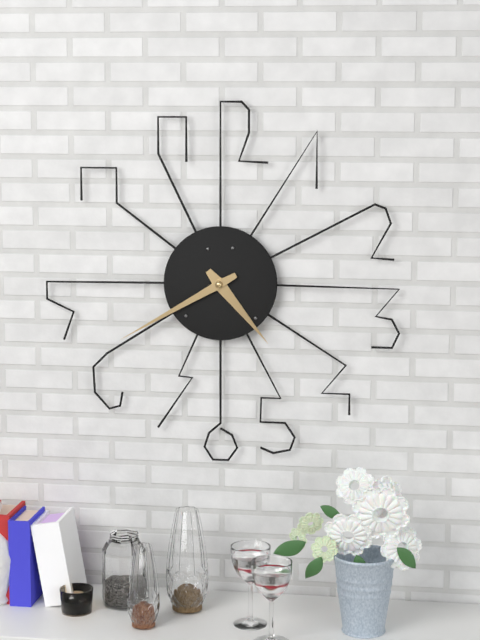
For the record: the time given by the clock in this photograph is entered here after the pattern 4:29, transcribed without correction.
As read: 4:40
